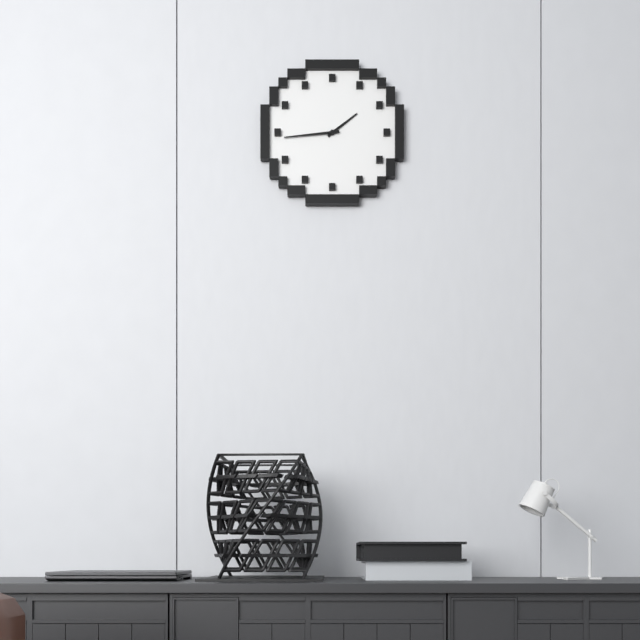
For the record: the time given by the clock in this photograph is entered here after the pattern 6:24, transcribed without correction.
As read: 1:44
